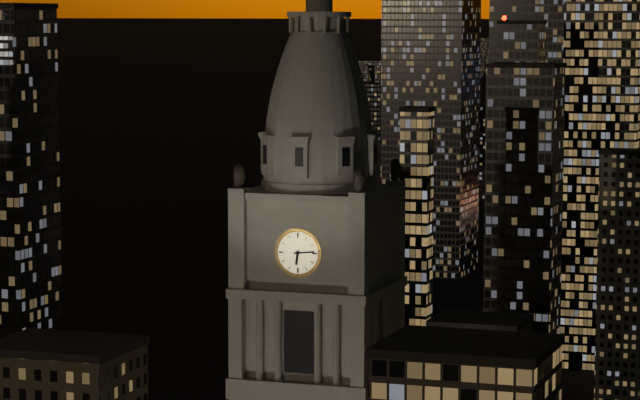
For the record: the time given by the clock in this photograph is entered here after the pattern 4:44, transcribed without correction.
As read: 6:14
